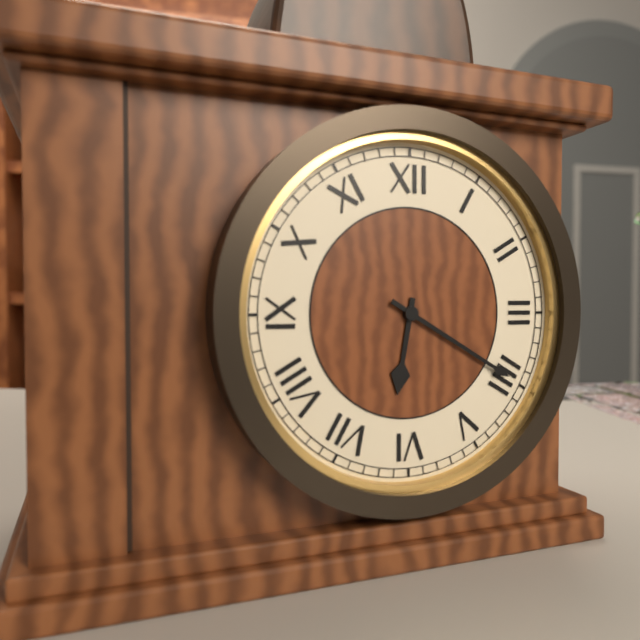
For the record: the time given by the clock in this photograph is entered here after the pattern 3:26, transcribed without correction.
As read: 6:20
